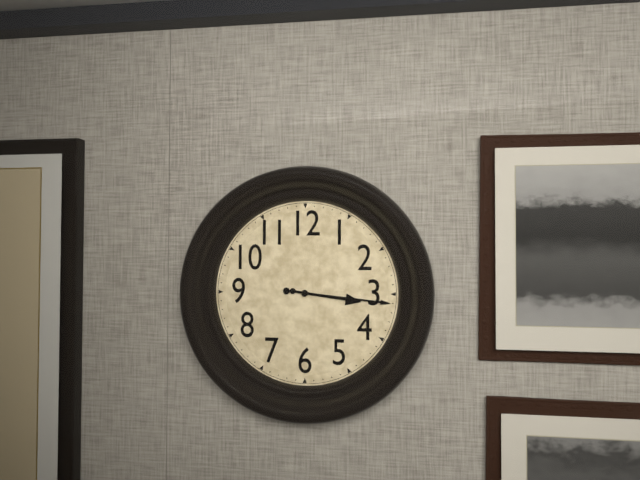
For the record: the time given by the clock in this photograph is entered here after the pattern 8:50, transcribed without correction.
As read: 3:16
